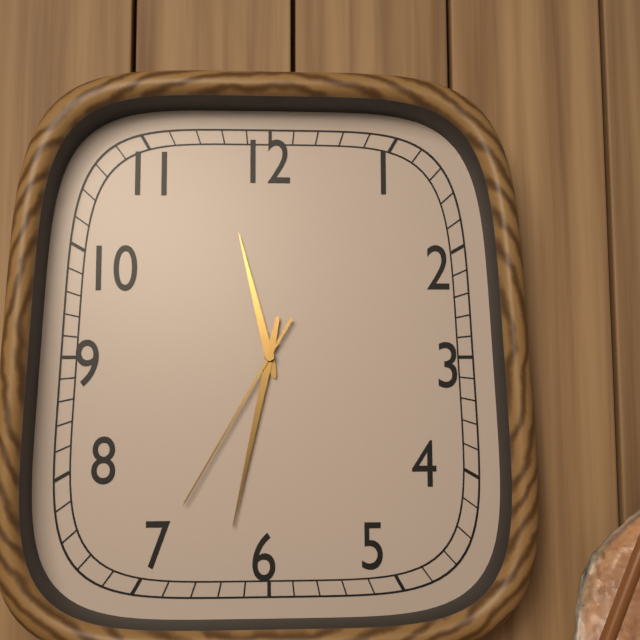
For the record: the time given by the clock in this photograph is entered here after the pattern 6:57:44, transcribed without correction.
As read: 11:32:35
